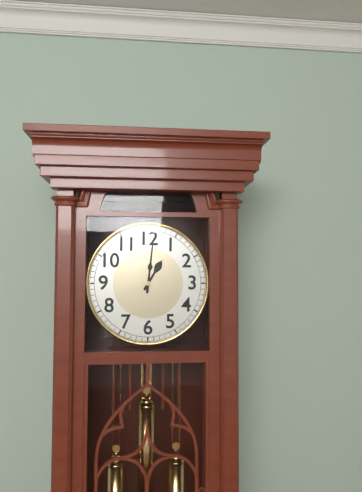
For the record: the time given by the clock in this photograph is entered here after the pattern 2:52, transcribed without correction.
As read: 1:01
